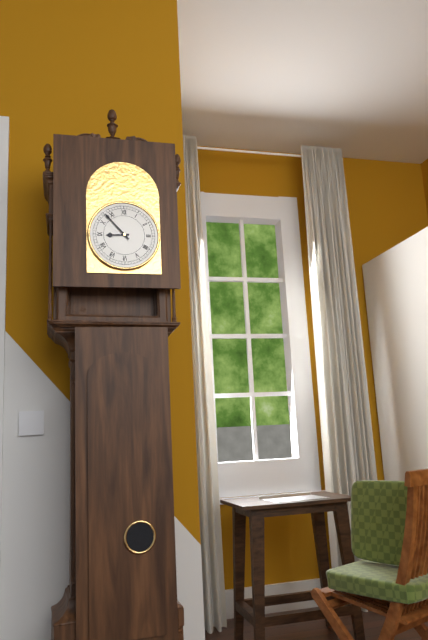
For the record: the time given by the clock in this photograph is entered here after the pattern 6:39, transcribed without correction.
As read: 8:53
